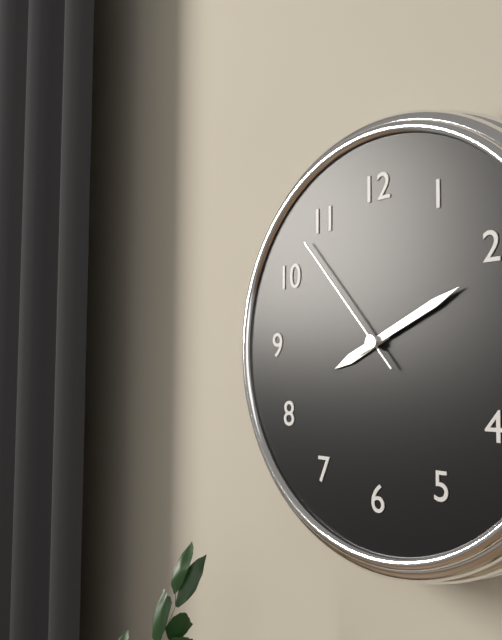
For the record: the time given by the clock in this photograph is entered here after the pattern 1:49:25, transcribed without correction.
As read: 8:11:53
